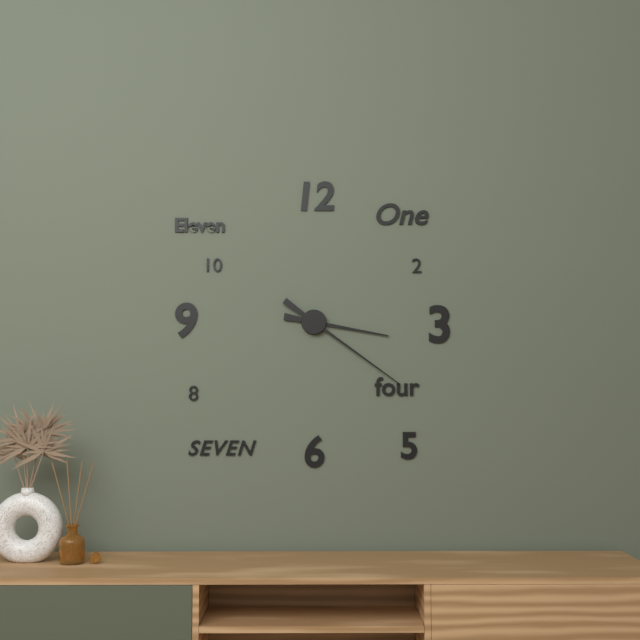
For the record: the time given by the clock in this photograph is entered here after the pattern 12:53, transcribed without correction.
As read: 3:21
